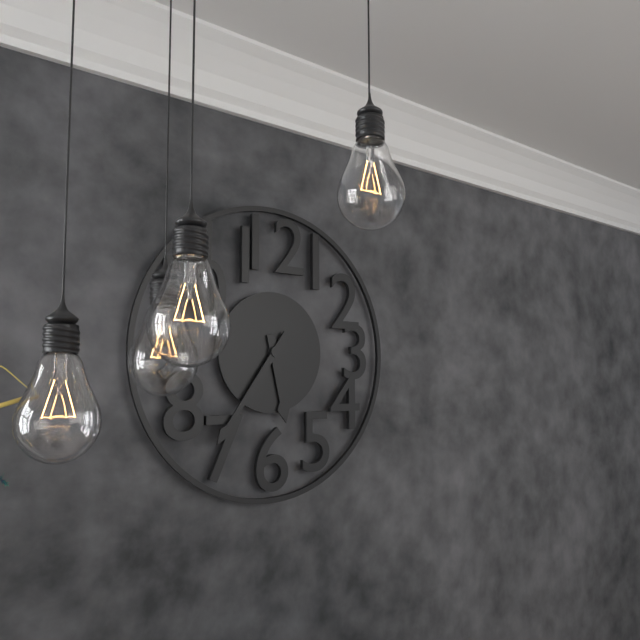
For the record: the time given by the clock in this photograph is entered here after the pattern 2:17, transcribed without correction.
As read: 5:36
